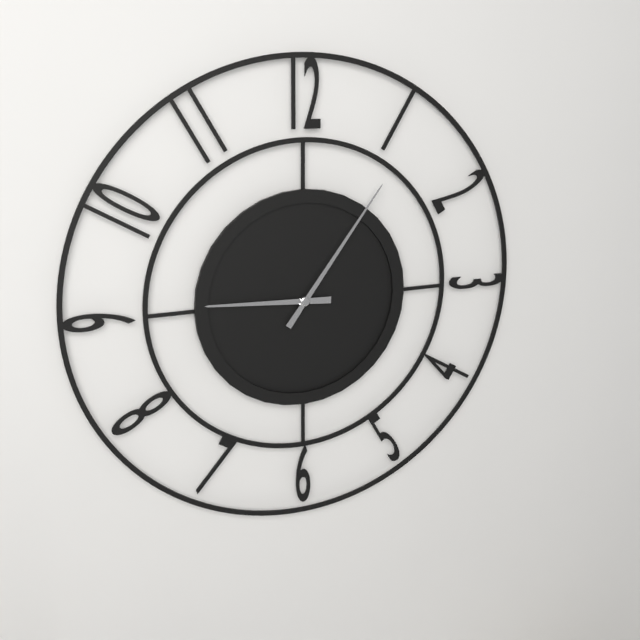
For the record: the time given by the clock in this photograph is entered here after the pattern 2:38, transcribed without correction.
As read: 9:06
